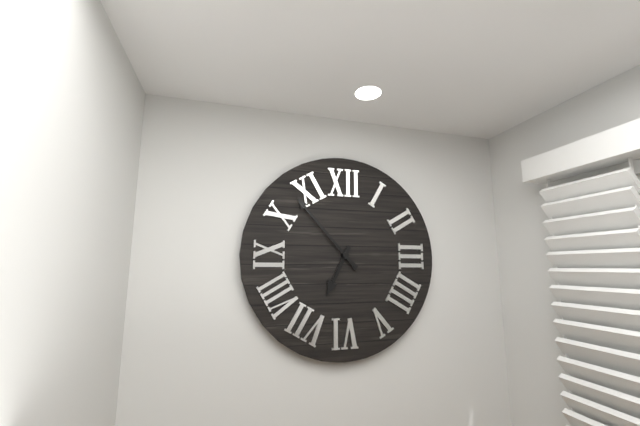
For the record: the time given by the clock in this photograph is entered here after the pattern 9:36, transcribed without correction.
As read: 6:53
